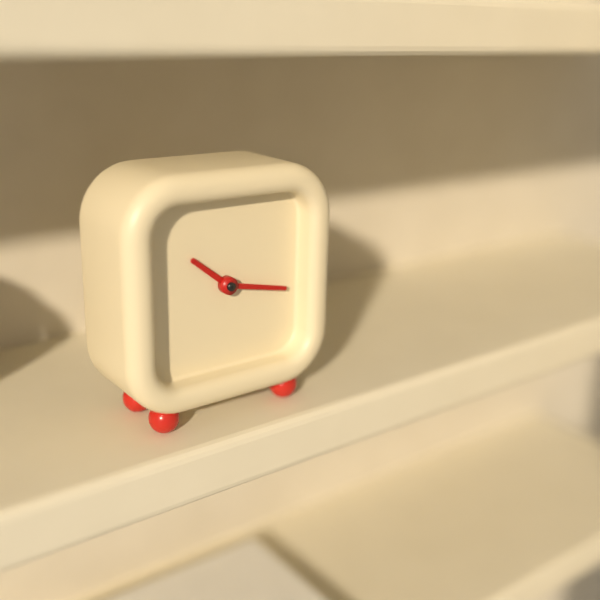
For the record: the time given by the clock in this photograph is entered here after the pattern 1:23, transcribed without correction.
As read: 10:17
